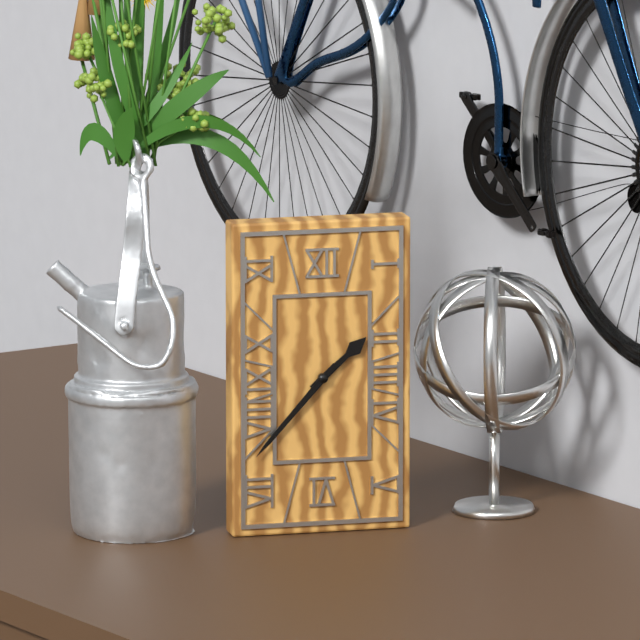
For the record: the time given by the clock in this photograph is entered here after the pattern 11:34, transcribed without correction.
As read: 1:37
